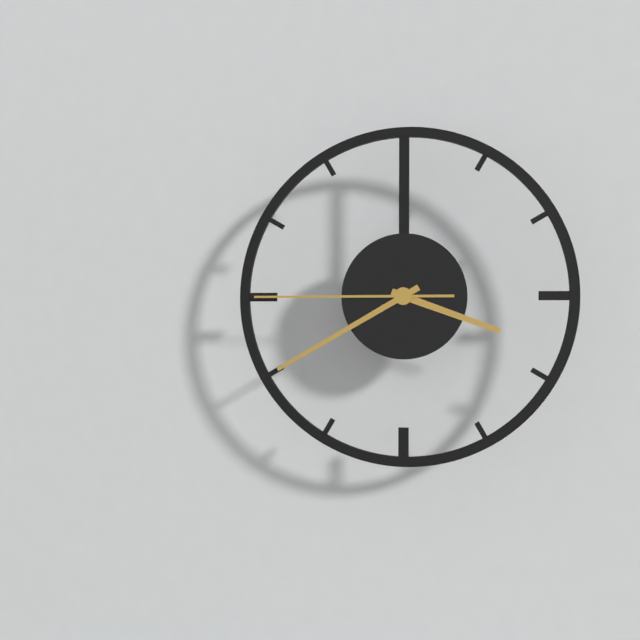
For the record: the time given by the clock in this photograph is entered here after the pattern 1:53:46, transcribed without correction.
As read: 3:40:45
